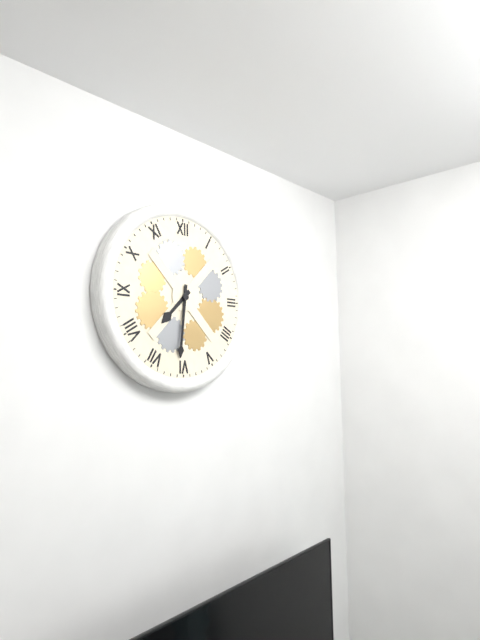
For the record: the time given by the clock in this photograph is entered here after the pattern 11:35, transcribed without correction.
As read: 7:31
